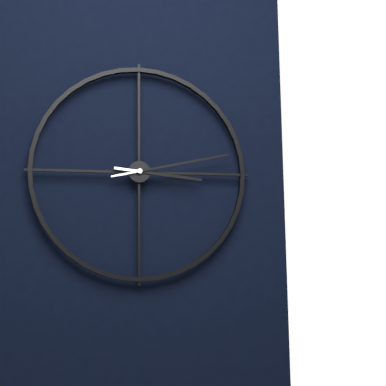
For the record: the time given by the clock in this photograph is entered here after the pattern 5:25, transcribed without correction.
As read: 3:13
